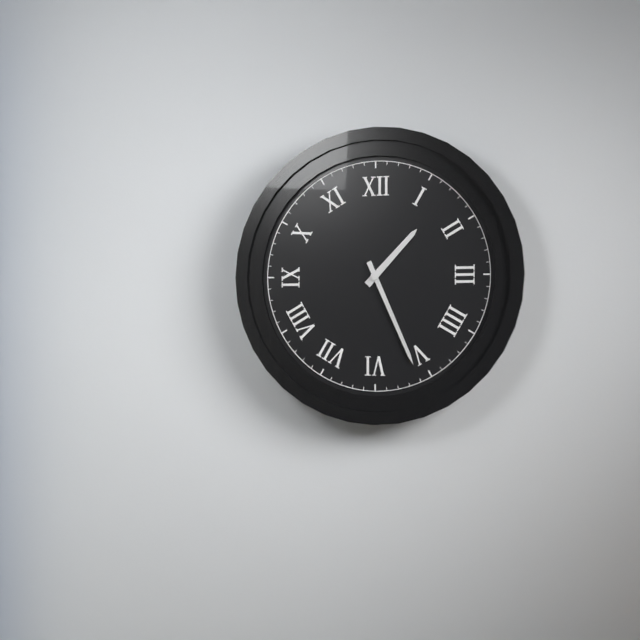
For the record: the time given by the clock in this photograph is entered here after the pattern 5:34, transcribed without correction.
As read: 1:26
